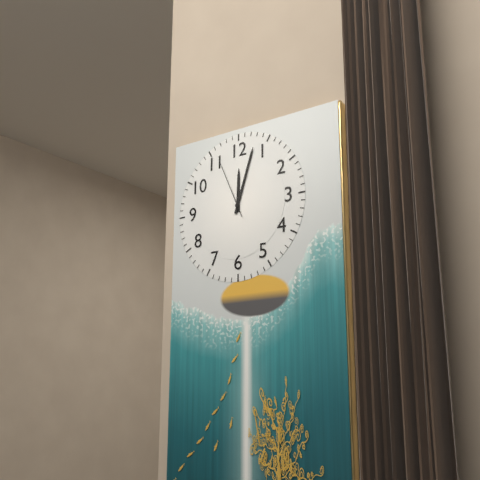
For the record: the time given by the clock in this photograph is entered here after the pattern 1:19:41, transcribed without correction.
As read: 12:03:56
